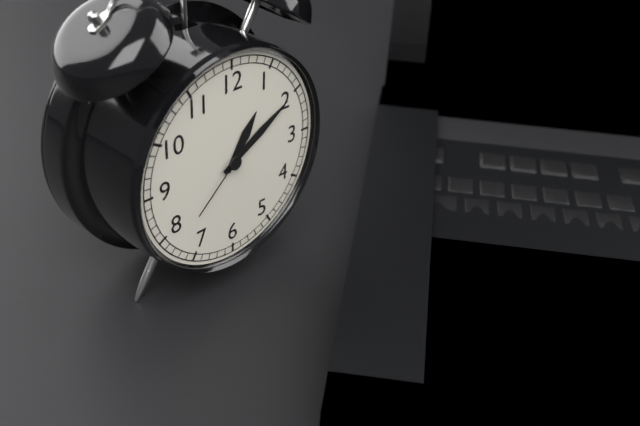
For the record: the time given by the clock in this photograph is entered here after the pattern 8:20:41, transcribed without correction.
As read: 1:10:38
